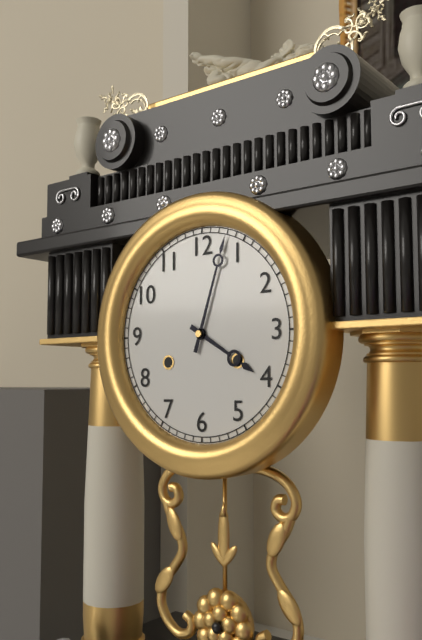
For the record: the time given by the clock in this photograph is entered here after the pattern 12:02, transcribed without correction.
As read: 4:03
